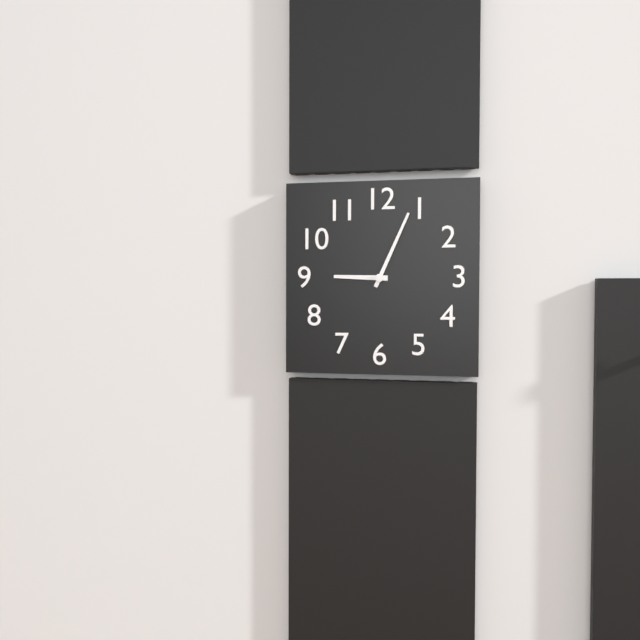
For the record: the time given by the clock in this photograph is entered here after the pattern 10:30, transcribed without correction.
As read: 9:04
